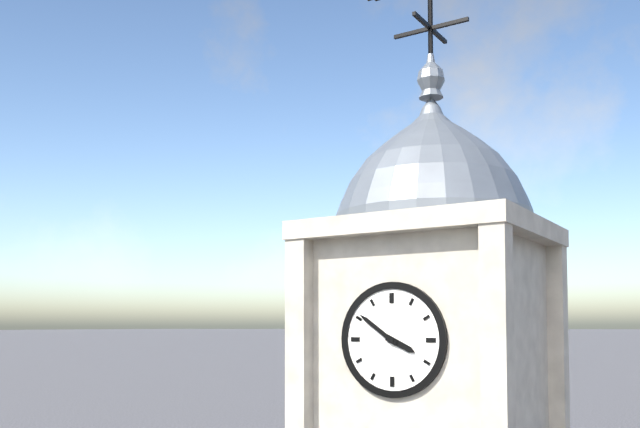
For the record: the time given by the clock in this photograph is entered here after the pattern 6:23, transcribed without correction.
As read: 3:51
